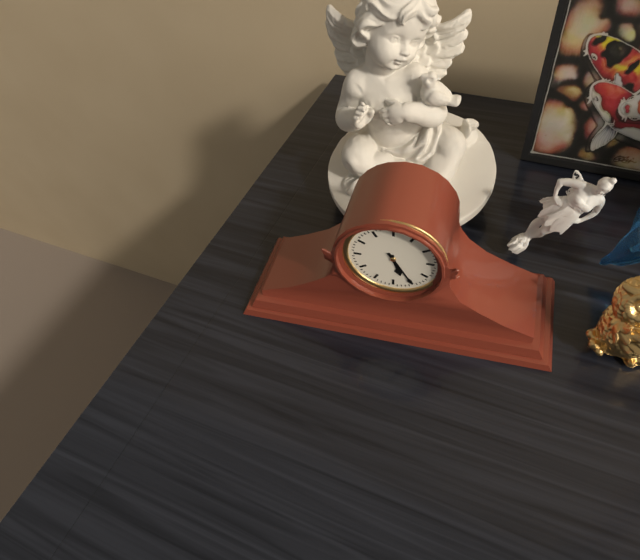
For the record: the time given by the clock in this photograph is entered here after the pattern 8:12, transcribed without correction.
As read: 5:25
